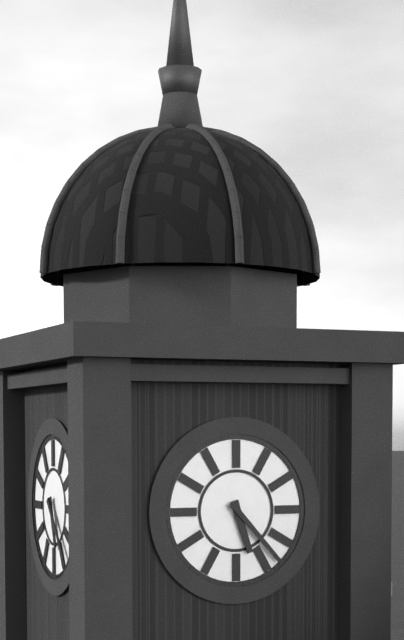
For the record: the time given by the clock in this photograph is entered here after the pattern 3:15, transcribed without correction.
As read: 5:23
